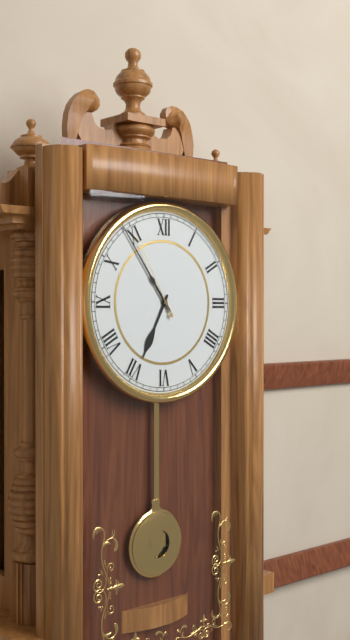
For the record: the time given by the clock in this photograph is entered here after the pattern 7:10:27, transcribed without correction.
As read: 6:54:55
